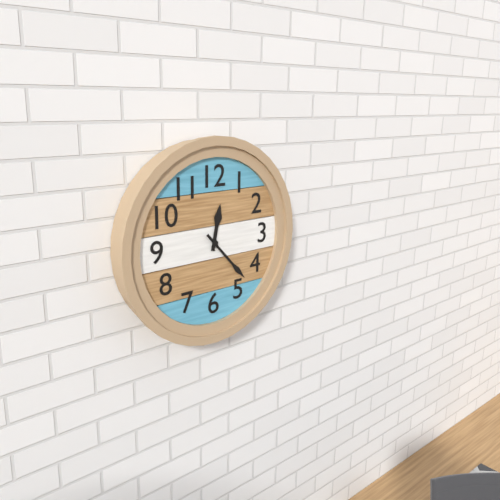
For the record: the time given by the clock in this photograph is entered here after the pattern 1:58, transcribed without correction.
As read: 12:23
